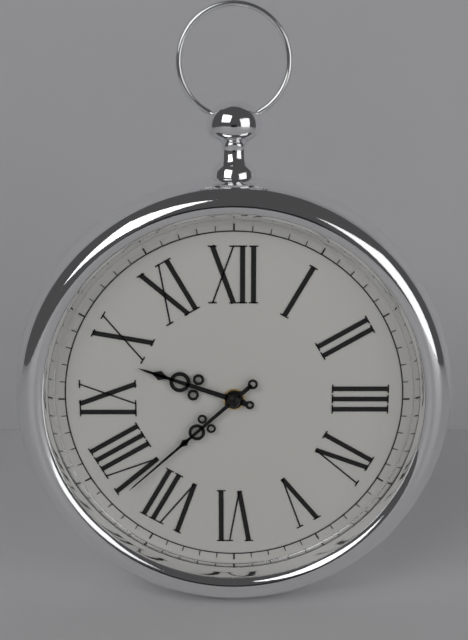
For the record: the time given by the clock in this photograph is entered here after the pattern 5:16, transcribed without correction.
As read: 9:38
